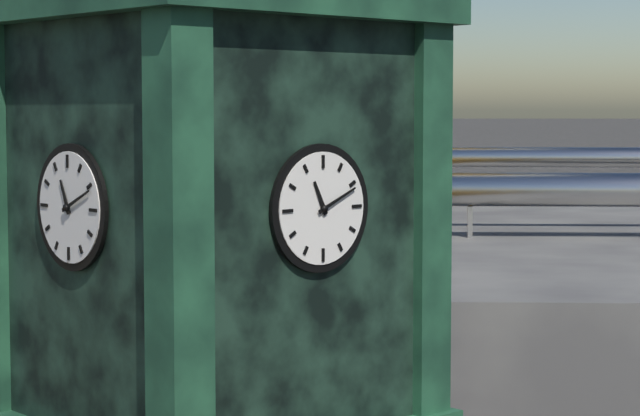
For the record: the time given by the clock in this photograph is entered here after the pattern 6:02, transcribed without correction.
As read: 11:11
